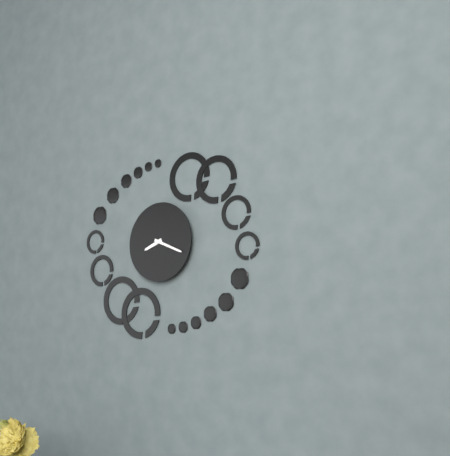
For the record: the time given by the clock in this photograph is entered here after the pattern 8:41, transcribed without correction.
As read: 8:19
